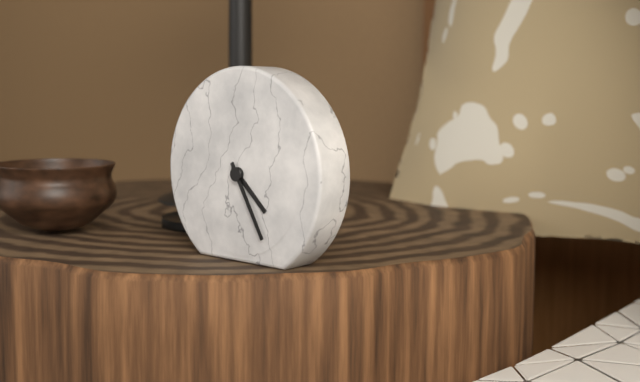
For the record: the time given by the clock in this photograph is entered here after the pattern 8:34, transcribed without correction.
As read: 4:25
